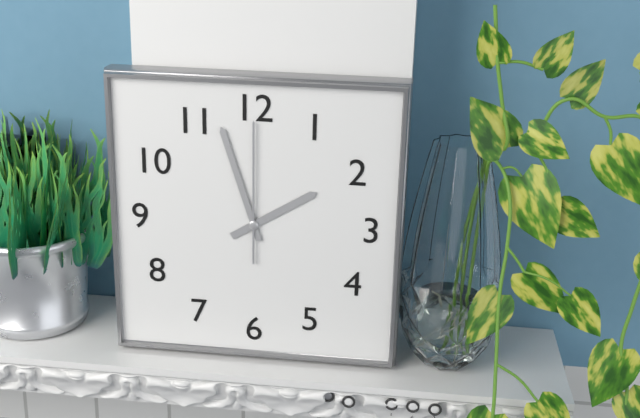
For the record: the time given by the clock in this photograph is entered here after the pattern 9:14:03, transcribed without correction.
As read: 1:57:00
